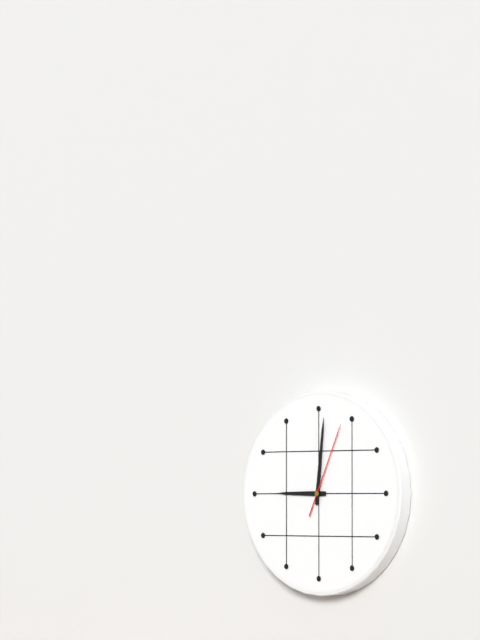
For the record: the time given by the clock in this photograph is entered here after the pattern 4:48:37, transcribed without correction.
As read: 9:01:04
